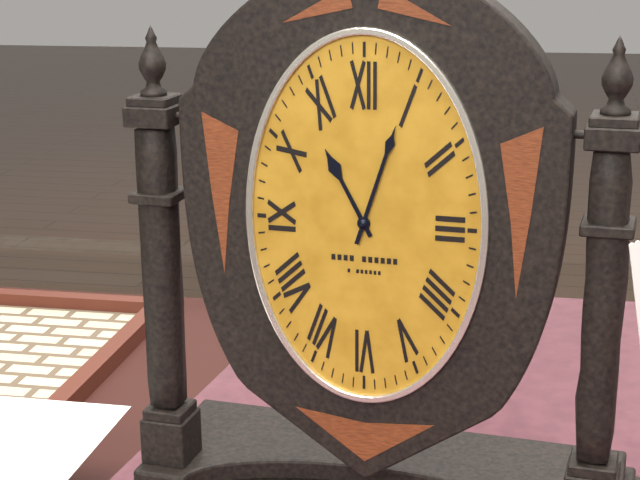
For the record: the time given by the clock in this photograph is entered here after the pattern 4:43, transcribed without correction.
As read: 11:03
